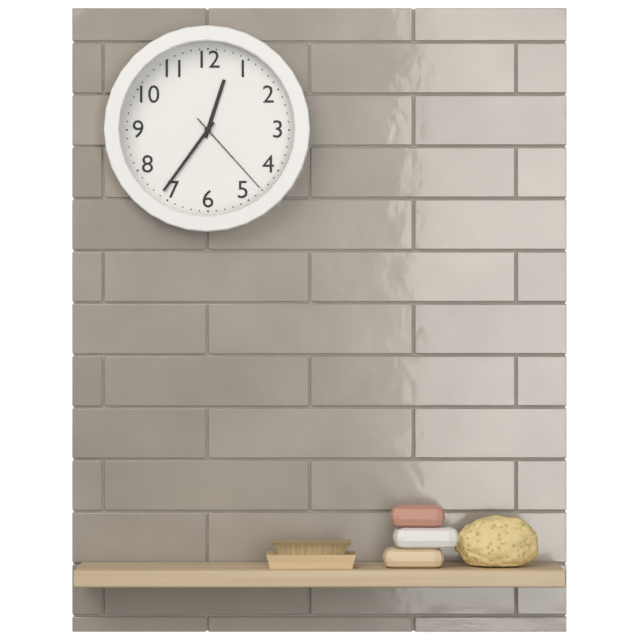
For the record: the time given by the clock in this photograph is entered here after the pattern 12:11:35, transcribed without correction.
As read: 12:36:23
